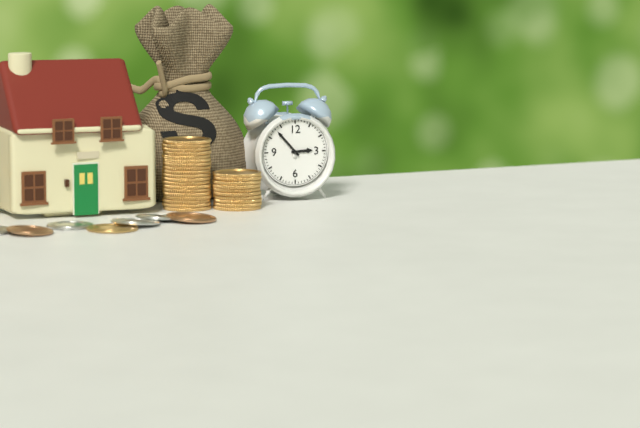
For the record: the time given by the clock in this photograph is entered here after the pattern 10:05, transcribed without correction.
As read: 2:53
